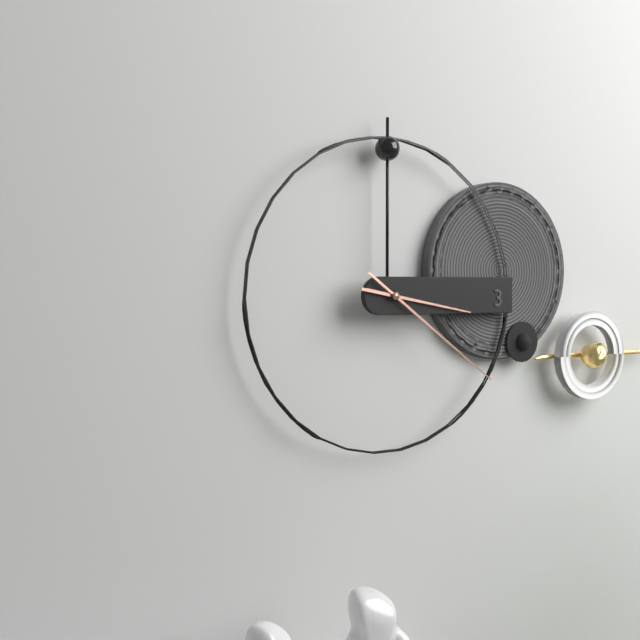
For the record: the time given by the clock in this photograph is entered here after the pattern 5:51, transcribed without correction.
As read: 3:21
